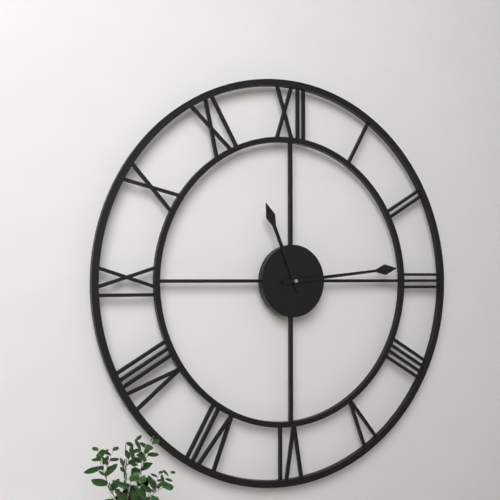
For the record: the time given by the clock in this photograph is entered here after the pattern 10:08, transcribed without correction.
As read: 11:14
